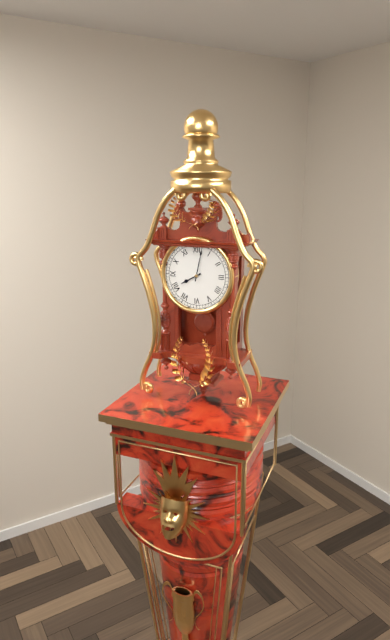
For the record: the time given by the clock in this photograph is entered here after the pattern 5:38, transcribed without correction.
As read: 8:02
